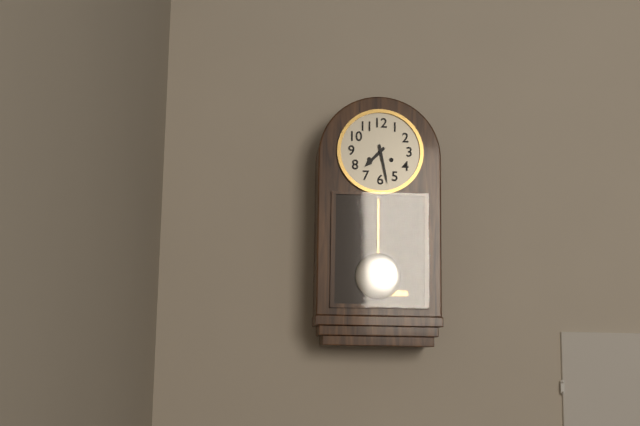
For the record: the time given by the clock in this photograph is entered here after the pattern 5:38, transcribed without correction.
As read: 7:28
